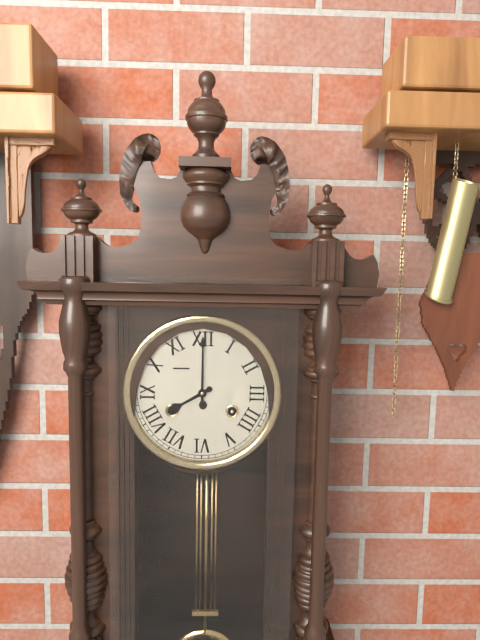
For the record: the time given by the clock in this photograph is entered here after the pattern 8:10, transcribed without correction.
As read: 8:00
